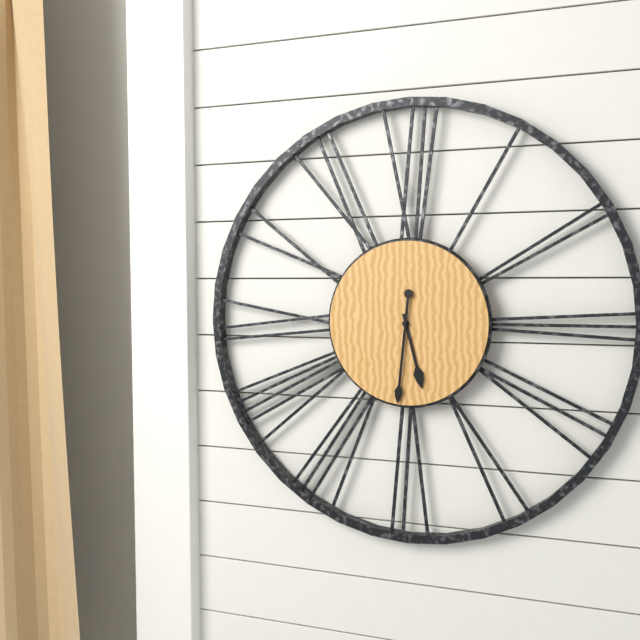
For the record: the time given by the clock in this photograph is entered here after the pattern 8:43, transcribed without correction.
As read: 5:31
